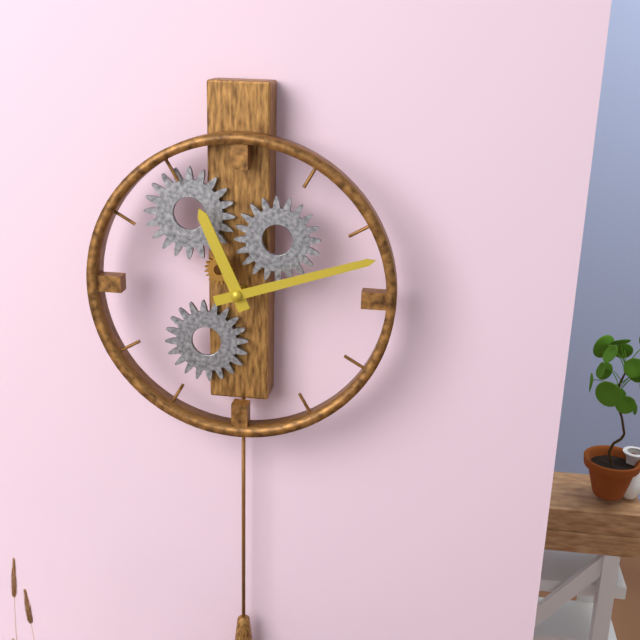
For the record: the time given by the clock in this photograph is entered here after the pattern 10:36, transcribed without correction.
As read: 11:12
